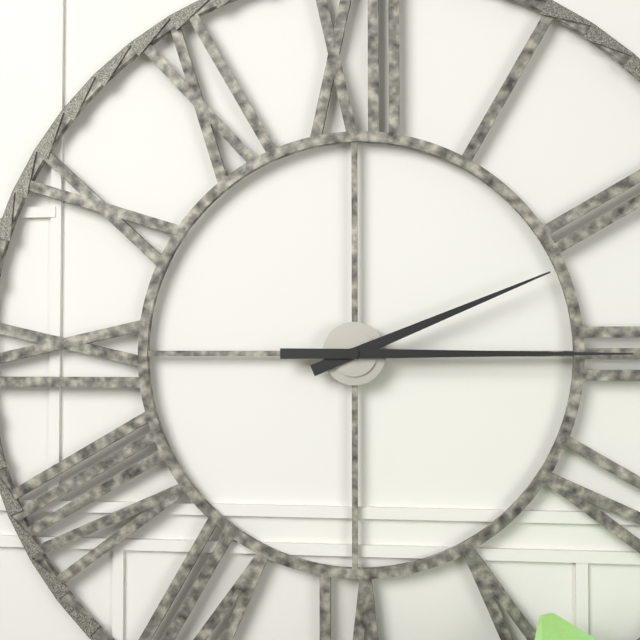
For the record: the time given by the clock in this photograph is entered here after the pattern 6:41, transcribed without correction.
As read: 2:15
